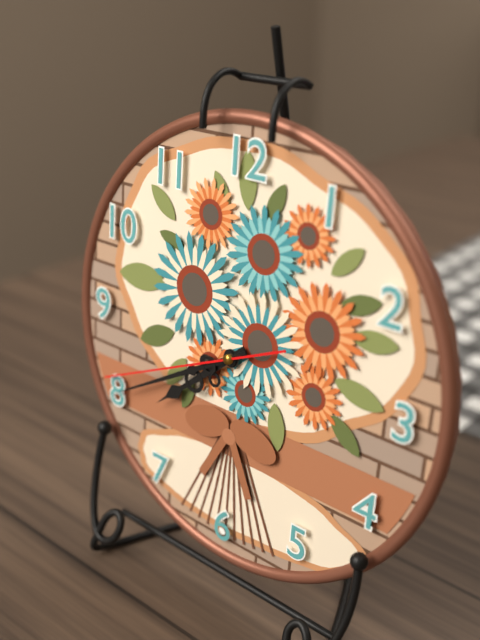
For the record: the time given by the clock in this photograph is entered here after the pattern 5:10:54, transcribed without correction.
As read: 7:40:41
